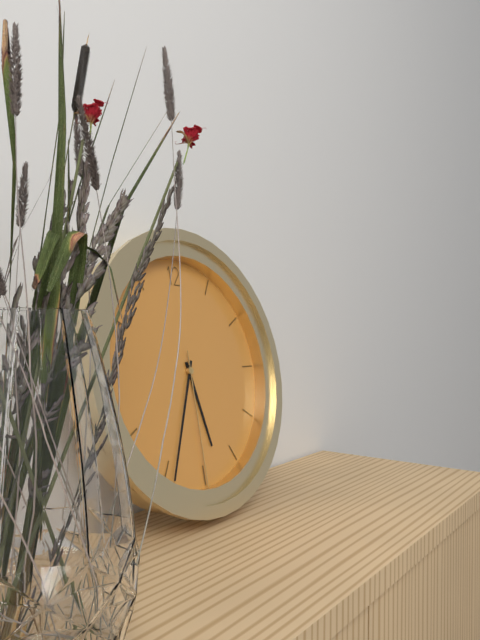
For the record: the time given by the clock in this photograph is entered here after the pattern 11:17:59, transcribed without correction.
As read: 5:34:30
